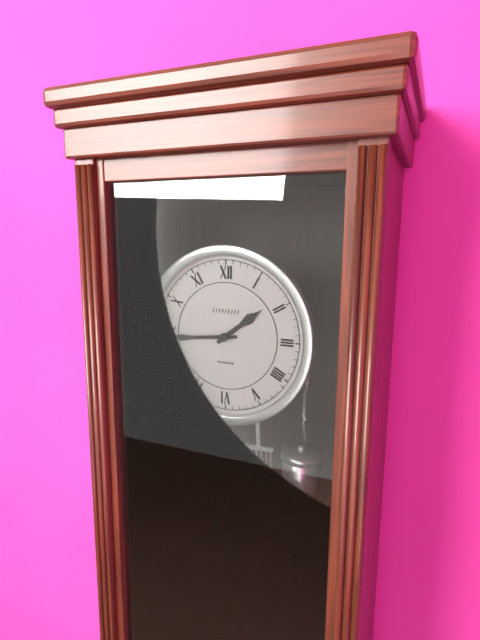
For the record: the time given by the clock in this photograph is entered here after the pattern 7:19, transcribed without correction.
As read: 1:44
